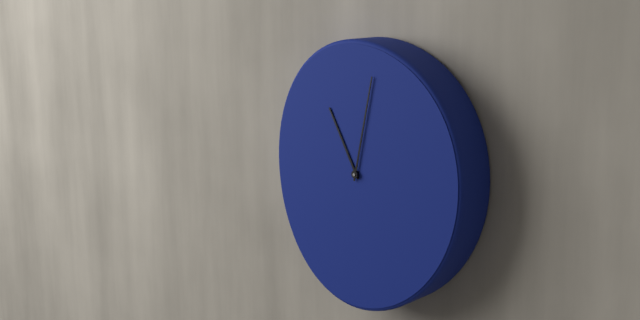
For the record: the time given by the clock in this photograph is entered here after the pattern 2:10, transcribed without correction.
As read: 11:02
